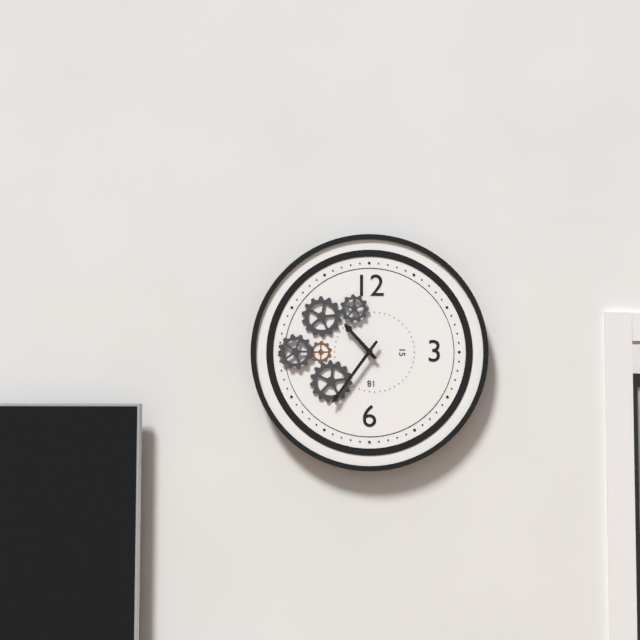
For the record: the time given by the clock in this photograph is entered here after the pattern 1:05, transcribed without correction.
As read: 10:36
